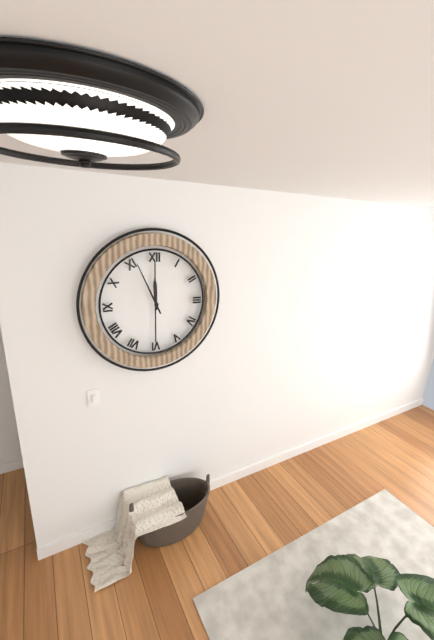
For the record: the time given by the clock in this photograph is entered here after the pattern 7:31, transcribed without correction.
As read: 11:56
